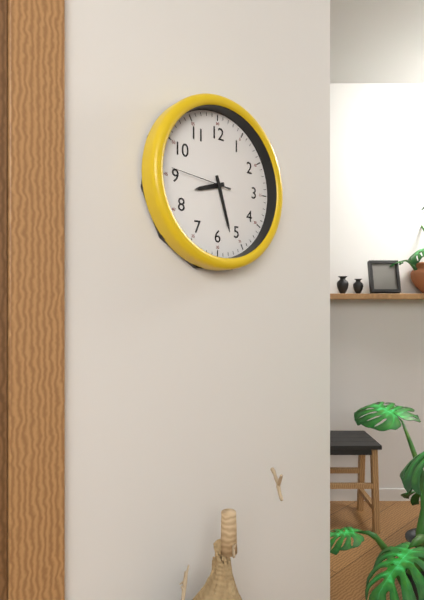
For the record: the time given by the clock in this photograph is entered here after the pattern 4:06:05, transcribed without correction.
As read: 8:27:46
